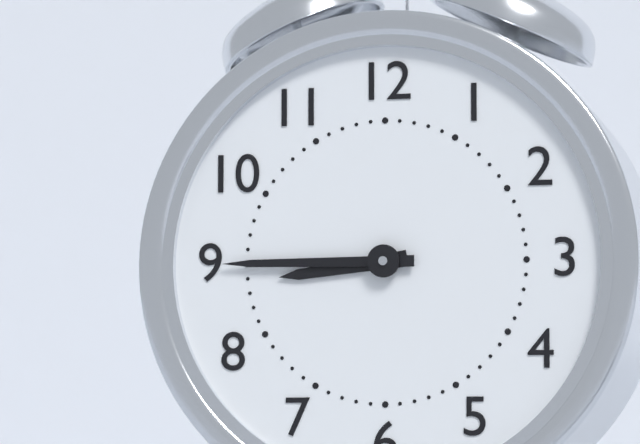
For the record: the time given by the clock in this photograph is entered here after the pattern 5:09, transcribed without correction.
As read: 8:45
